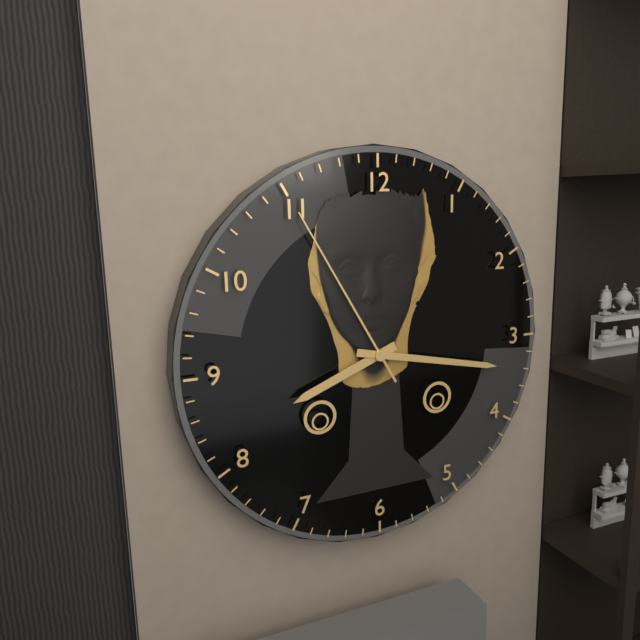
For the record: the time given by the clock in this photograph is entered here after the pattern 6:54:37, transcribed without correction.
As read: 8:17:55
